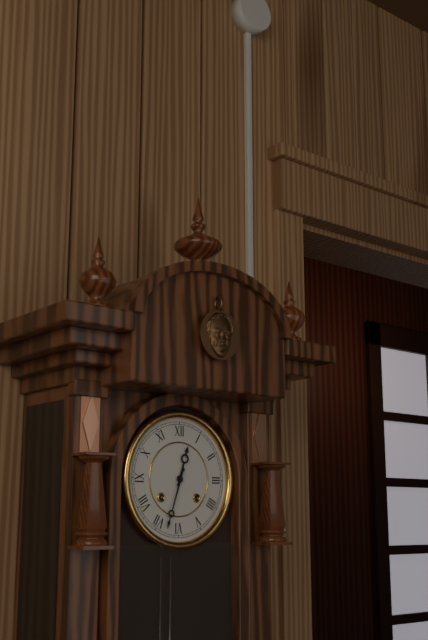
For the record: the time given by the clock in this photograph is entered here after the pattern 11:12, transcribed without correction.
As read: 12:33
